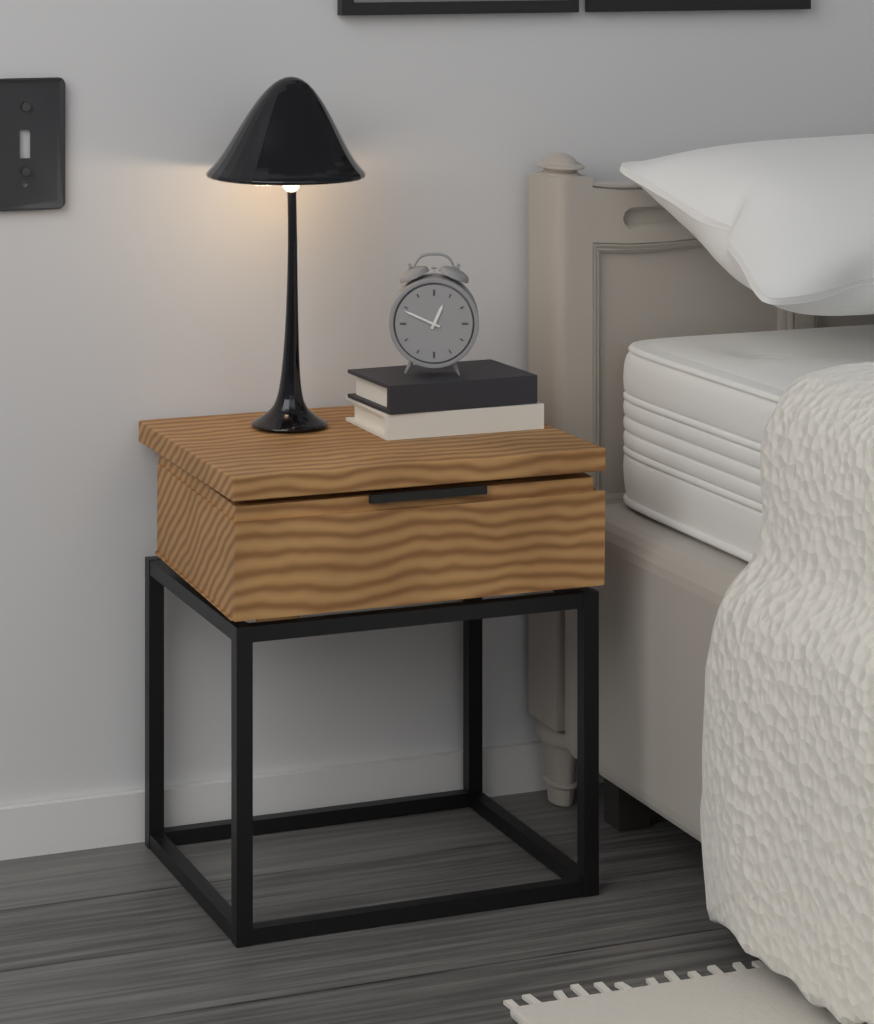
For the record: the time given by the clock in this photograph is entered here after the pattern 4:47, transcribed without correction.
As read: 12:49
